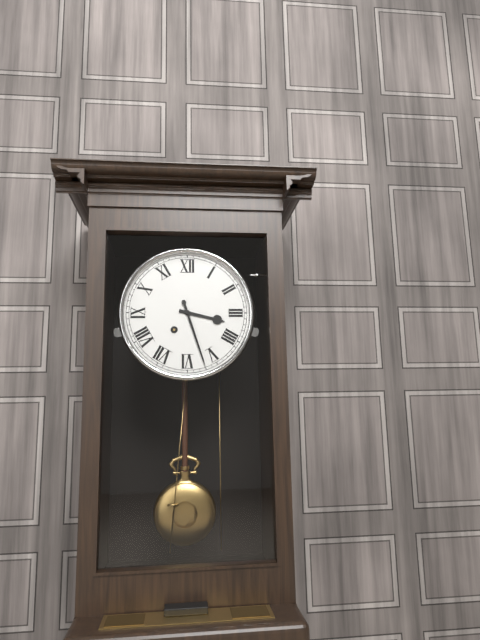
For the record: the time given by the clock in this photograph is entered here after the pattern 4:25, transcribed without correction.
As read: 3:27
